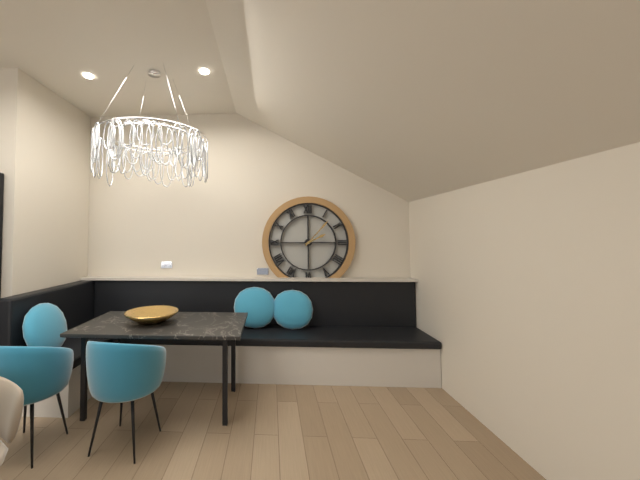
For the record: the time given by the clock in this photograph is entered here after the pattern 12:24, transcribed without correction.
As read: 2:07
